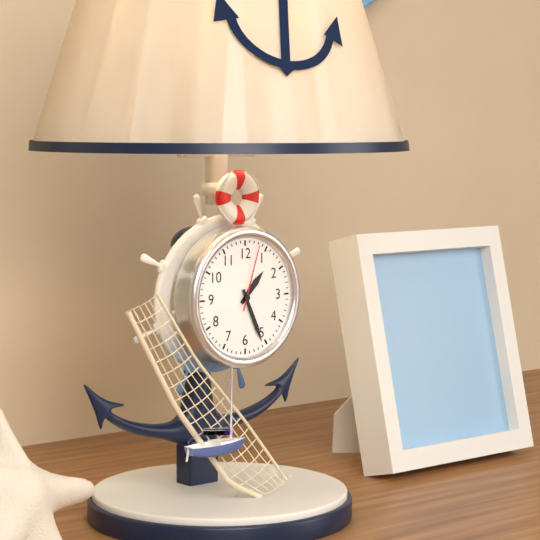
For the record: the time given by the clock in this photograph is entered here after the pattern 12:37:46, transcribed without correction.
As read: 1:26:03
